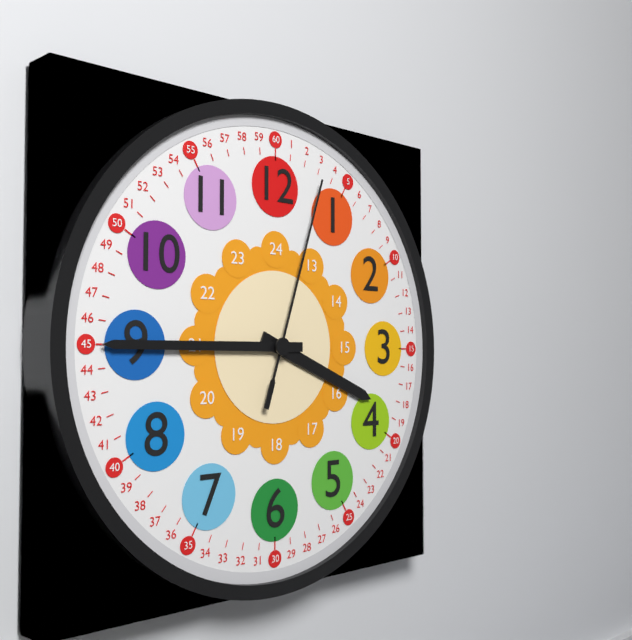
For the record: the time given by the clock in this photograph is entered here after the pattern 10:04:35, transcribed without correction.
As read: 3:45:03
